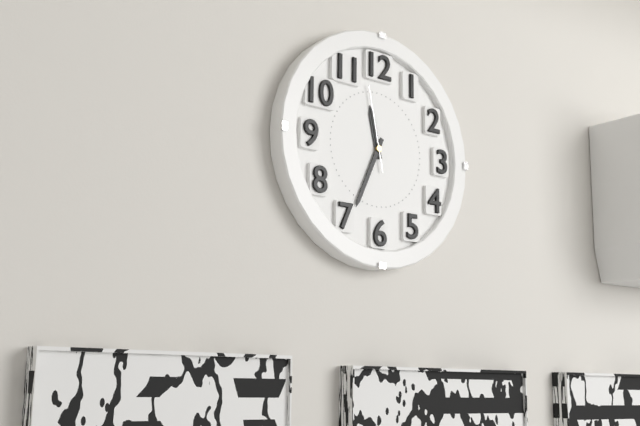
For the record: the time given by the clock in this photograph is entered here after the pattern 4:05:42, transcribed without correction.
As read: 11:34:58
